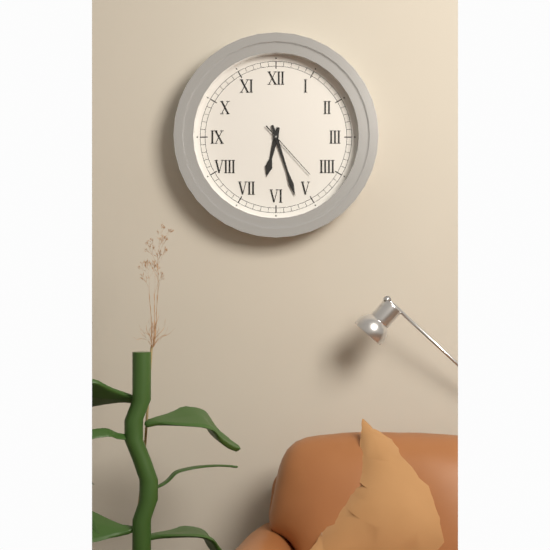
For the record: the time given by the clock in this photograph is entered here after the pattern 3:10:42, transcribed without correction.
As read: 6:27:23
